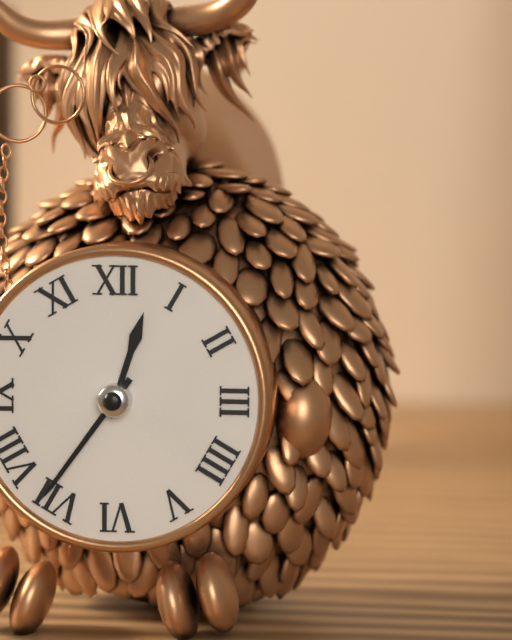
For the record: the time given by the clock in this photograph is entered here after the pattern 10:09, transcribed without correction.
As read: 12:36
